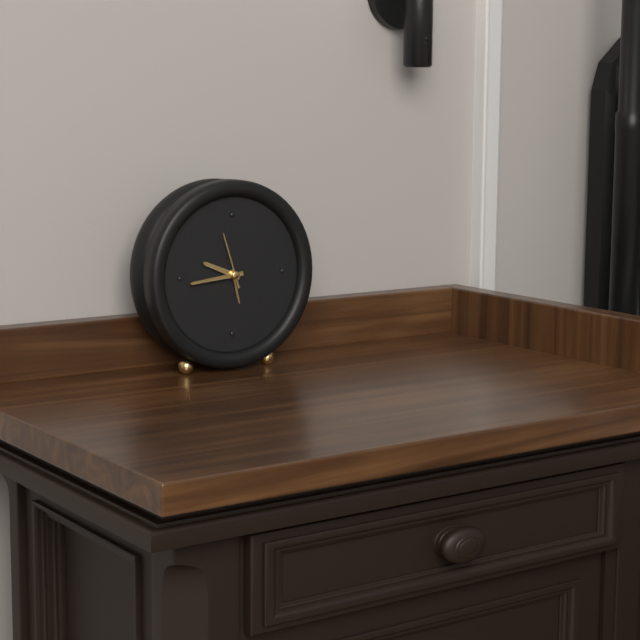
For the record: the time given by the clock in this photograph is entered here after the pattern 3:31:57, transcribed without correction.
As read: 9:44:57
